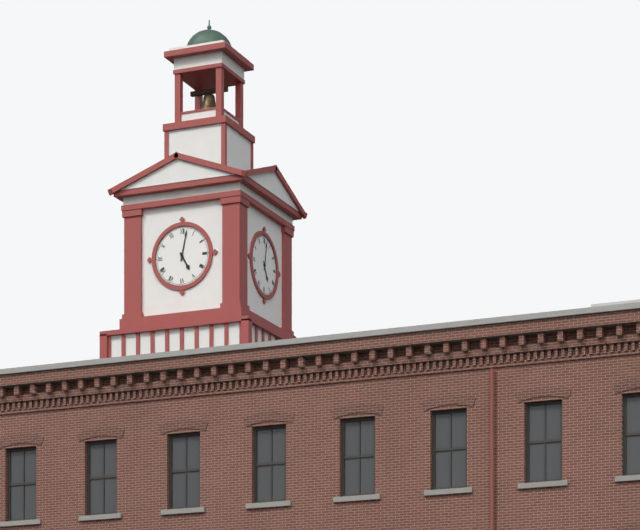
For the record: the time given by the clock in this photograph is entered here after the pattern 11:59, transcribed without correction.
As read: 5:02
